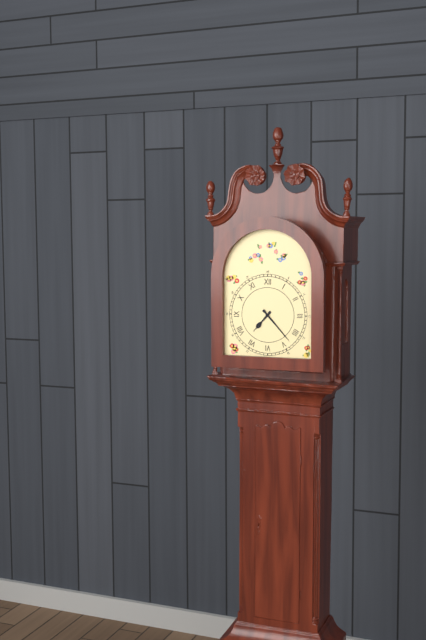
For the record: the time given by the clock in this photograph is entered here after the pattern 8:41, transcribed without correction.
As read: 7:23
